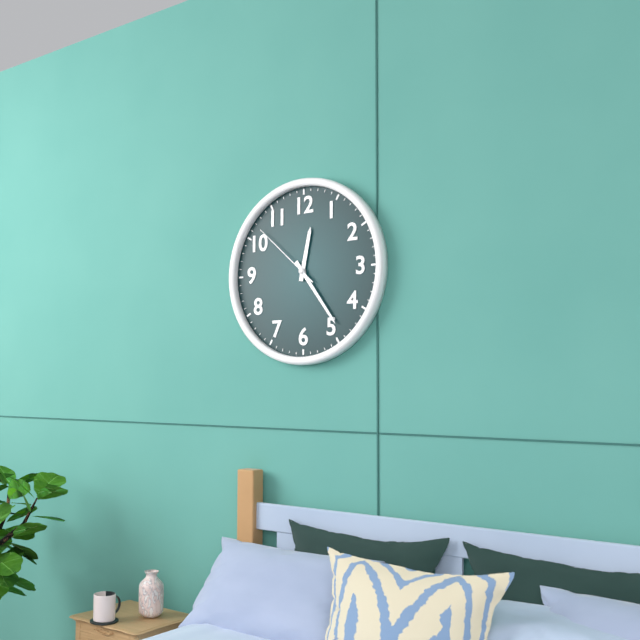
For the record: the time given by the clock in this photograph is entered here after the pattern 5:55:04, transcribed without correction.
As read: 12:24:52
